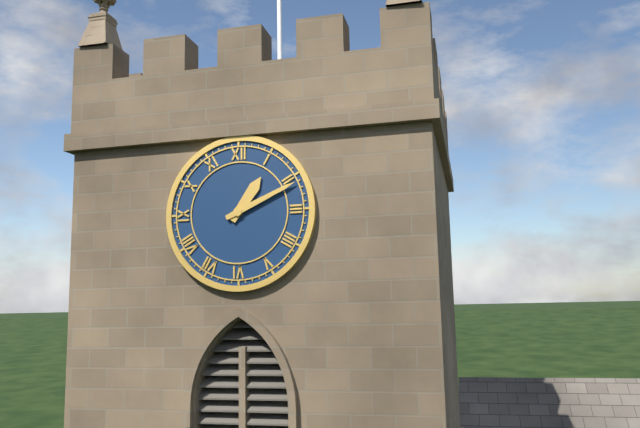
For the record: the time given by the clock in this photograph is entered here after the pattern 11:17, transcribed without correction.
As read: 1:11
